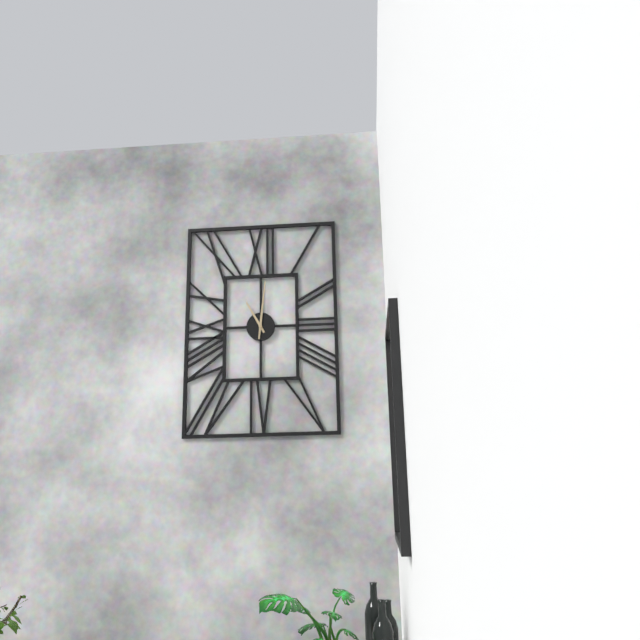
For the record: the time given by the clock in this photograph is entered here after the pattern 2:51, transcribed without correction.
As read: 11:01
